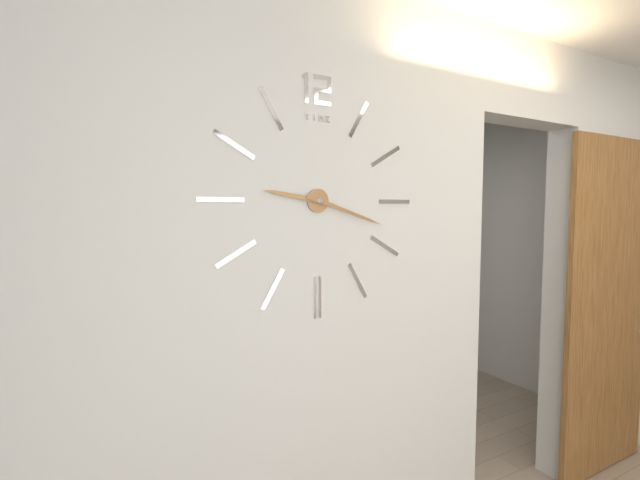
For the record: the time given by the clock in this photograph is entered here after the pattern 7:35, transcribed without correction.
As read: 9:18
